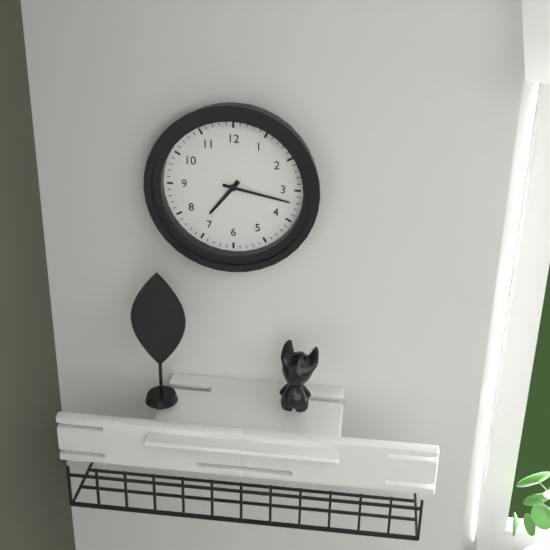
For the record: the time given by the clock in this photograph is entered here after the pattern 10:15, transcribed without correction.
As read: 7:17
